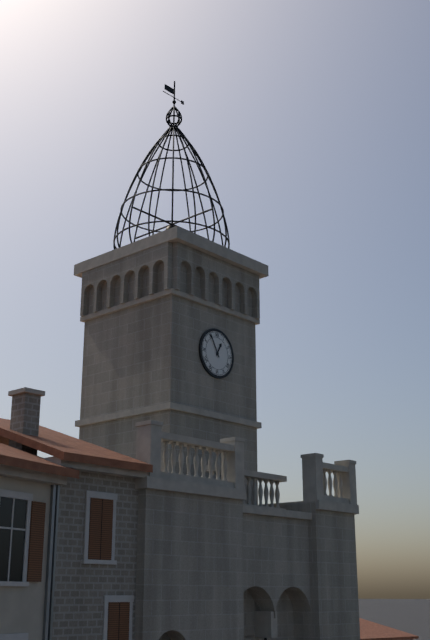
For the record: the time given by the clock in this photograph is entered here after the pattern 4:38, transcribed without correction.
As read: 12:55
